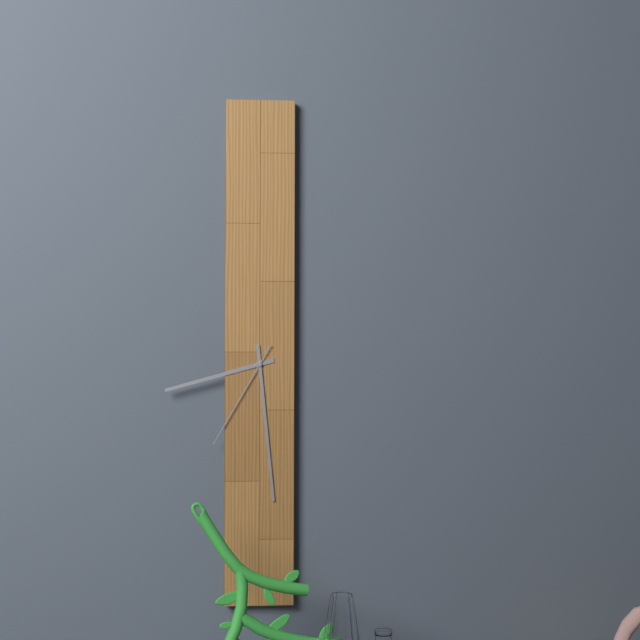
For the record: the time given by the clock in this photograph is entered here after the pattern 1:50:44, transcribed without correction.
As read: 8:29:35
